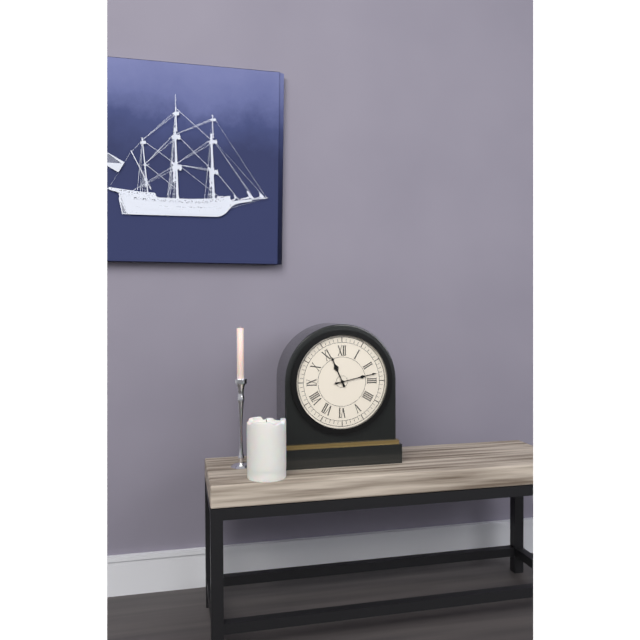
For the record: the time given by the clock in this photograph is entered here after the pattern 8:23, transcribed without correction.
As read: 11:13
